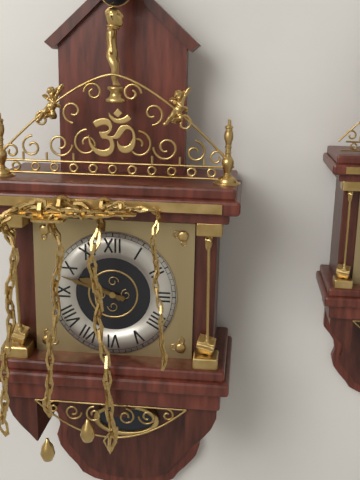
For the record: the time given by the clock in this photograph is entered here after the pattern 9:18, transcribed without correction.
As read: 9:48
